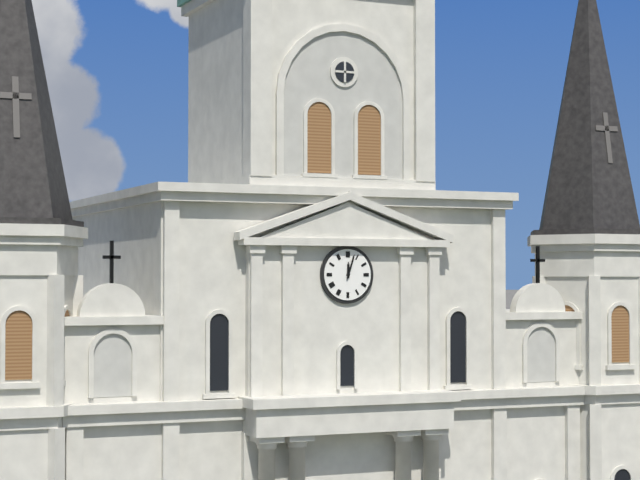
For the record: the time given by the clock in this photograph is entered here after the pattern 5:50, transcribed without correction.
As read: 12:03
